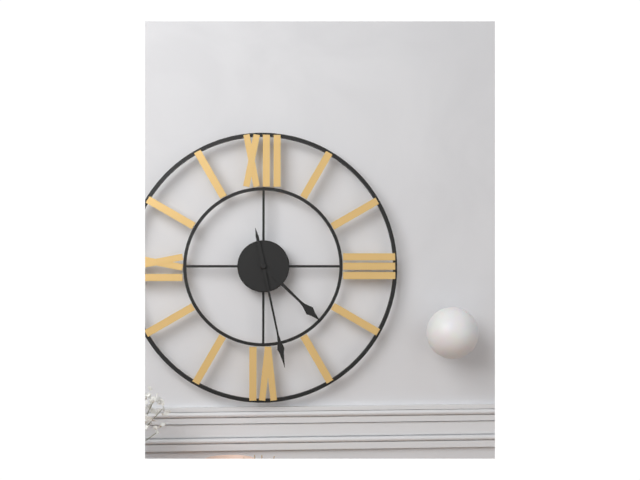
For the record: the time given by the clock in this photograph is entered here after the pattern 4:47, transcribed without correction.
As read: 4:28
